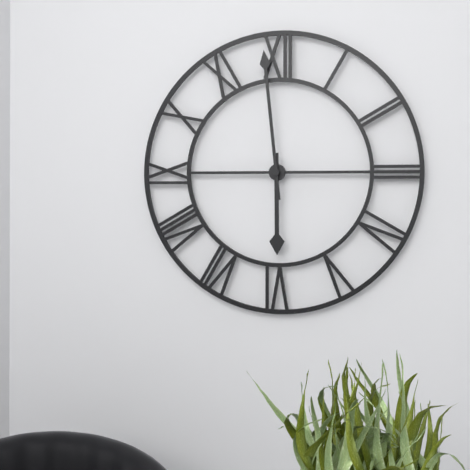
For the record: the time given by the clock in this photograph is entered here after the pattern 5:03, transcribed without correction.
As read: 5:59
